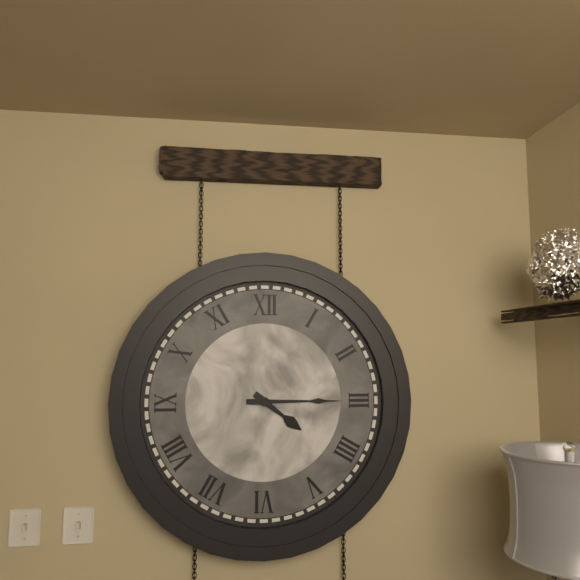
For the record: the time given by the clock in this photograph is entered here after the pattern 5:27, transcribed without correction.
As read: 4:15
